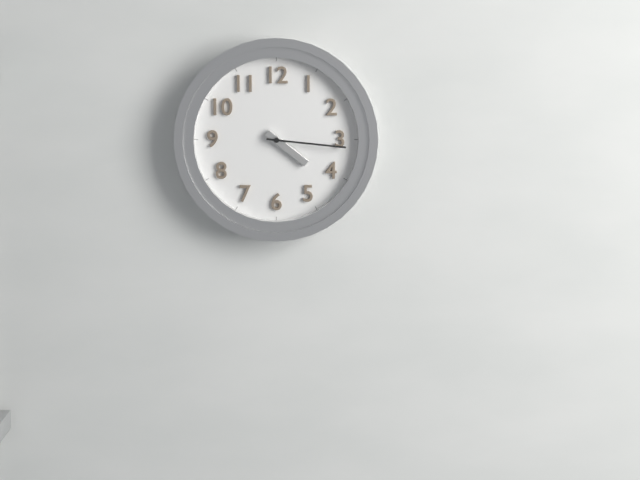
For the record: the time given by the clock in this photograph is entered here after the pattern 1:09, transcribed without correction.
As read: 4:16
